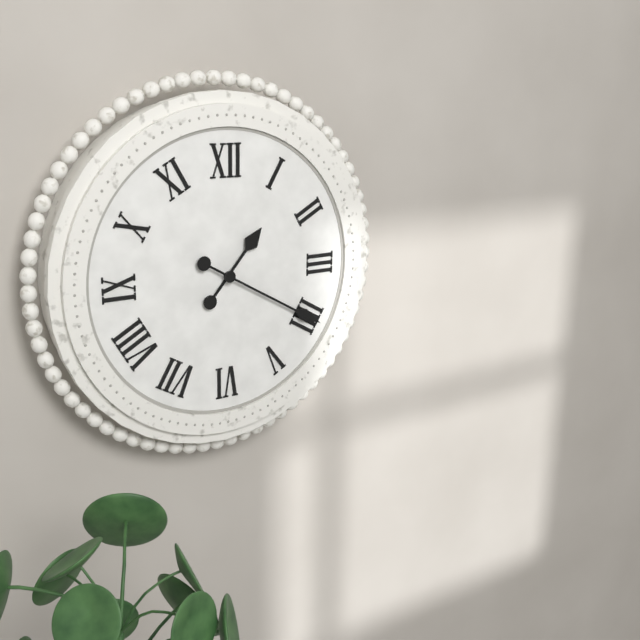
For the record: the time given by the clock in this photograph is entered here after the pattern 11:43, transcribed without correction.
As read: 1:20
